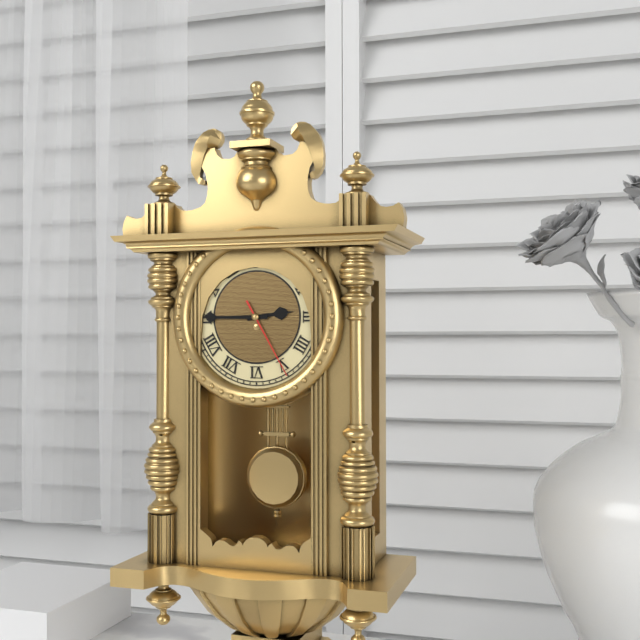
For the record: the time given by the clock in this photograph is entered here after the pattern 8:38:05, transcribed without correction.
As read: 2:45:25
